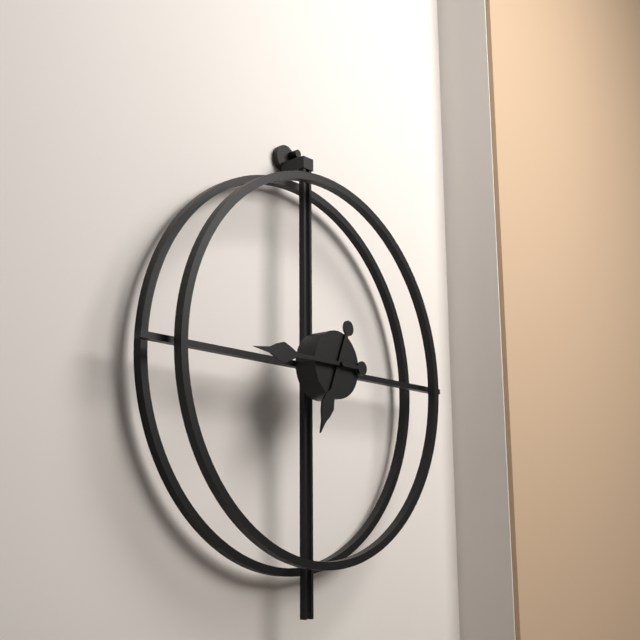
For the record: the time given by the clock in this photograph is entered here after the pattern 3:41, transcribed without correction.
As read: 6:45
